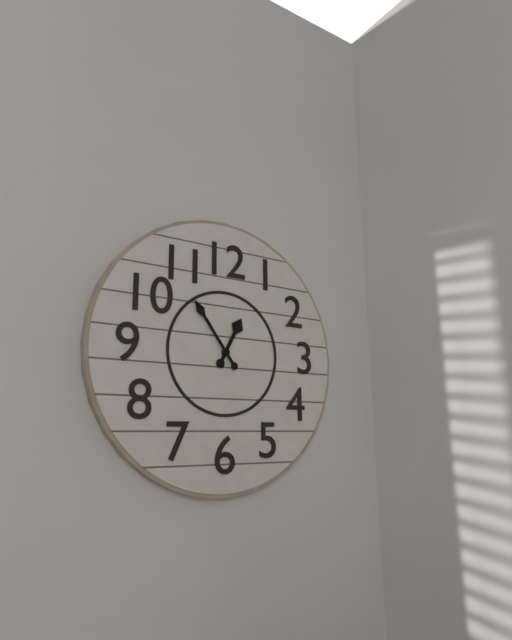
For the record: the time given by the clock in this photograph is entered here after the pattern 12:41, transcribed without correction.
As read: 12:54
